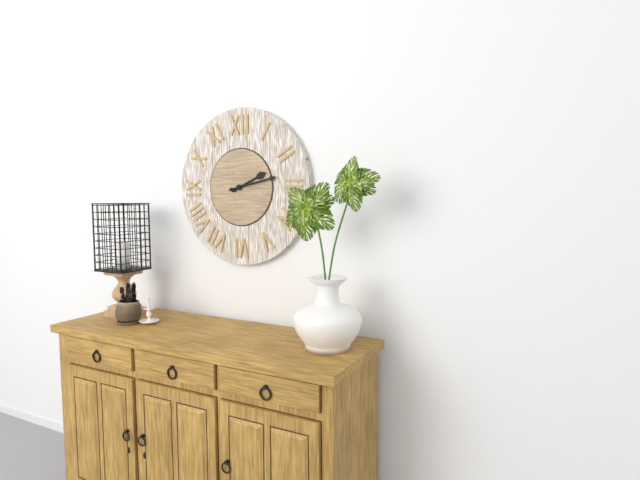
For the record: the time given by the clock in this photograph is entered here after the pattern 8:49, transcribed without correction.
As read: 2:13
